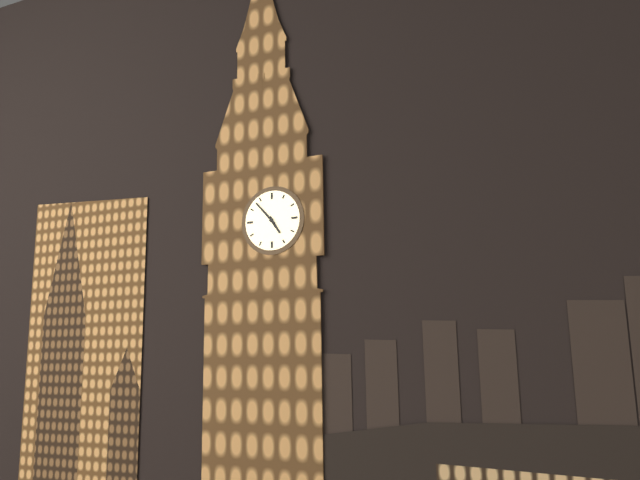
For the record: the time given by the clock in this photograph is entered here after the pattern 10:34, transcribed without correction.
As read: 4:53
